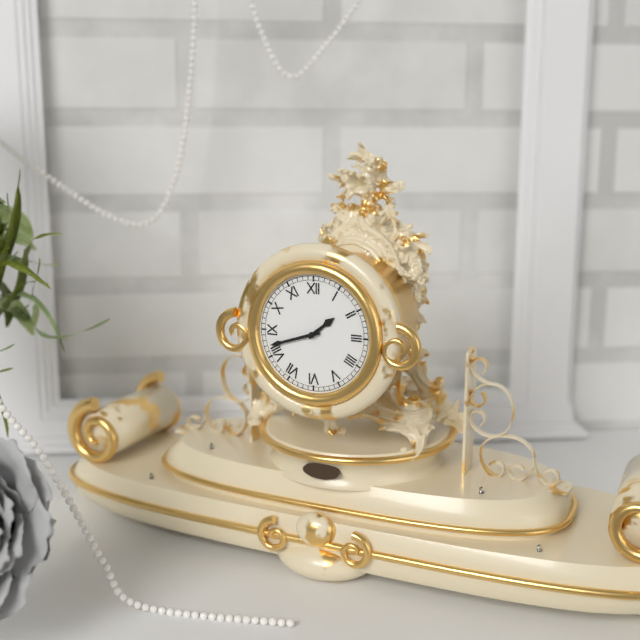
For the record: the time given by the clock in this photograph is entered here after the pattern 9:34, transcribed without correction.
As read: 1:42
